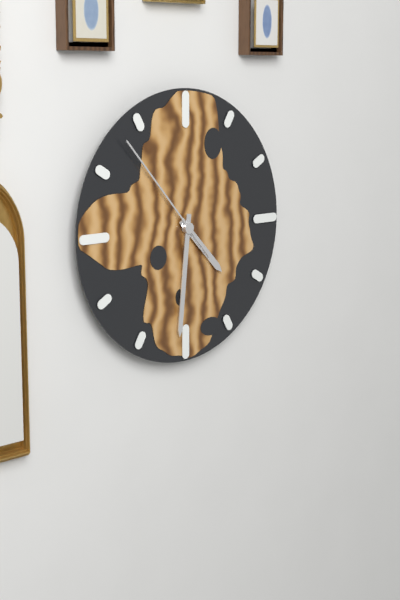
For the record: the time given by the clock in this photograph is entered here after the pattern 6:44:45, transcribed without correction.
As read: 4:31:53
